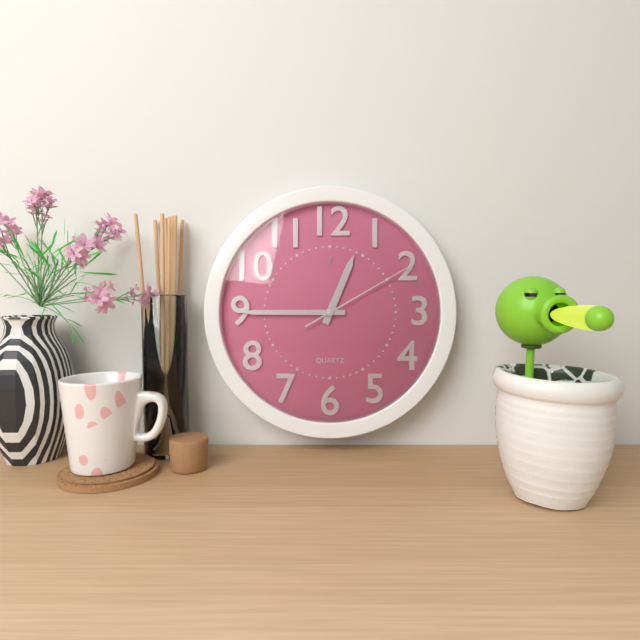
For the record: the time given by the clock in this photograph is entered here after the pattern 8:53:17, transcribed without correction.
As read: 12:45:10
